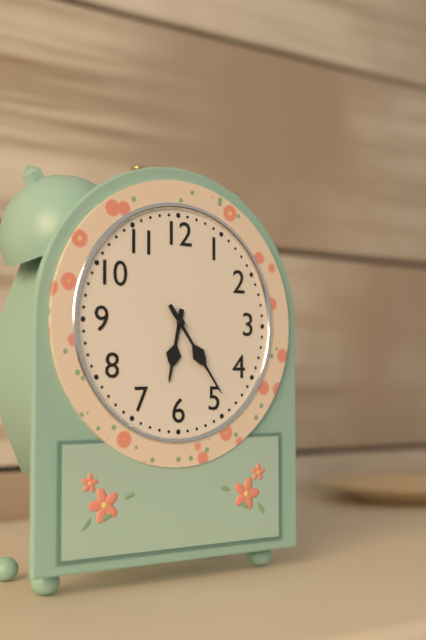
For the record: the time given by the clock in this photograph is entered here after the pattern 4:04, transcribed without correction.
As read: 6:24
